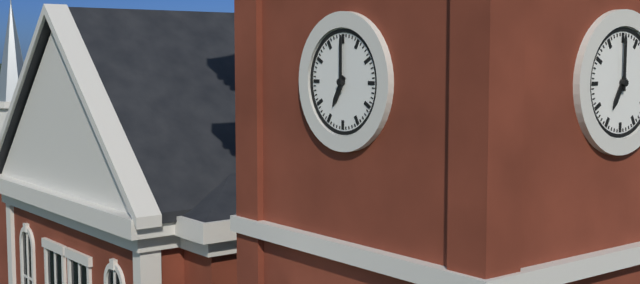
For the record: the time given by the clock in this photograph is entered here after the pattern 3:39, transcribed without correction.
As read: 7:00
